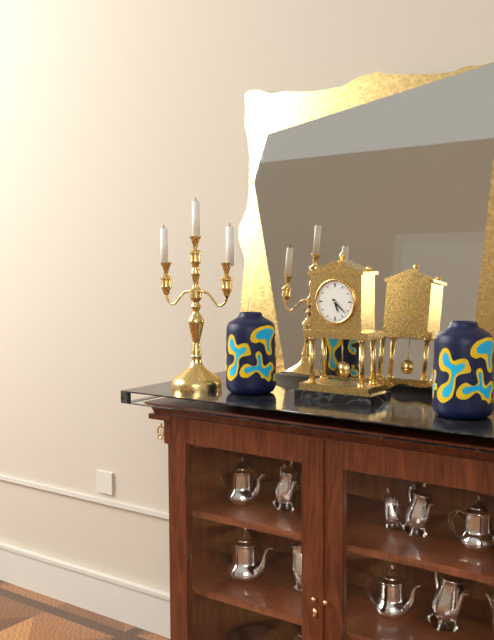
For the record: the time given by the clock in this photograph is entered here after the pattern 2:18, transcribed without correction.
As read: 5:22
